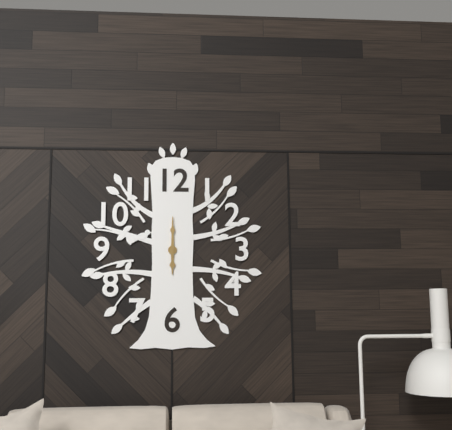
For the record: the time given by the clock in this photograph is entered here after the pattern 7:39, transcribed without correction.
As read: 6:00
